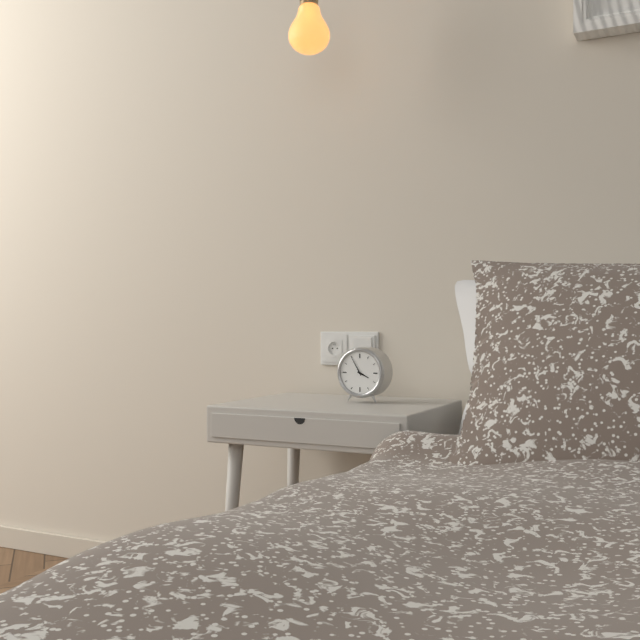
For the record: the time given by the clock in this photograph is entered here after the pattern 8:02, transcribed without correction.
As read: 3:55
